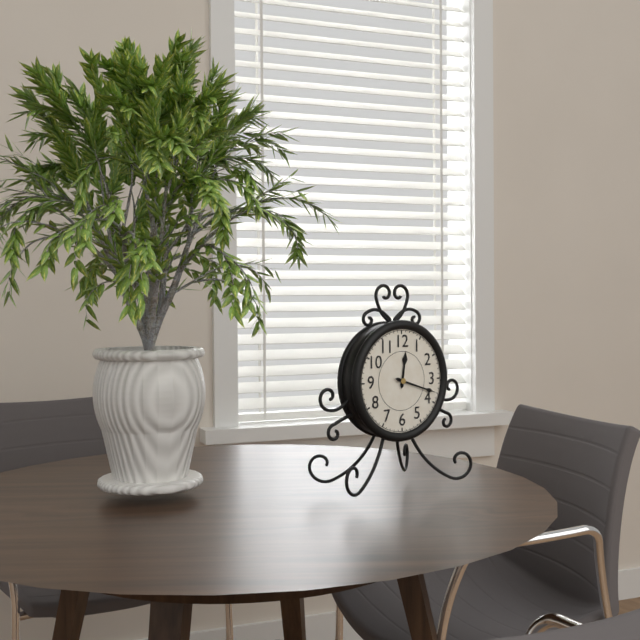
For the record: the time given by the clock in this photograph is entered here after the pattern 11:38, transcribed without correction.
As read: 12:18
